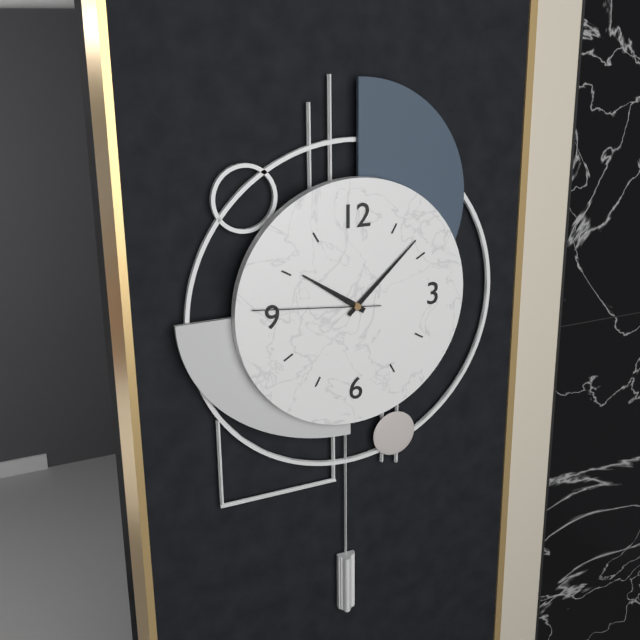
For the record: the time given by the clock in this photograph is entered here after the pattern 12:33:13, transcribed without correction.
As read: 10:08:46
